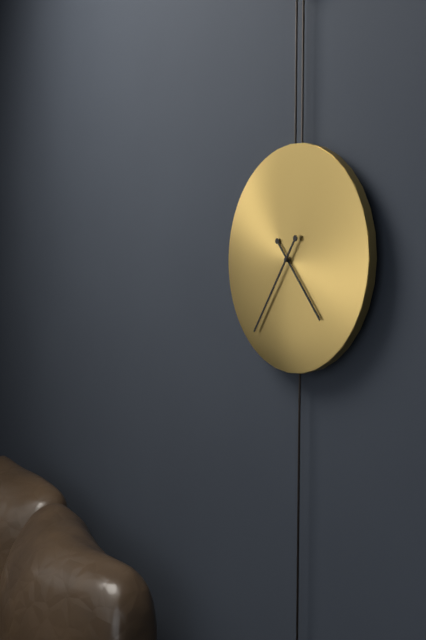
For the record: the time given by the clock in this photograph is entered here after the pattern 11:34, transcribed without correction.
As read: 4:36
